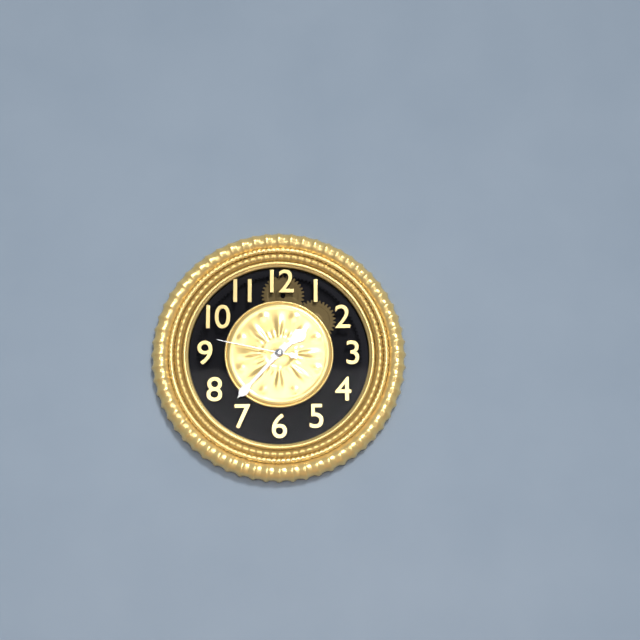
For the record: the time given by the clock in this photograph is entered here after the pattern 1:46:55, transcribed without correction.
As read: 1:37:47
